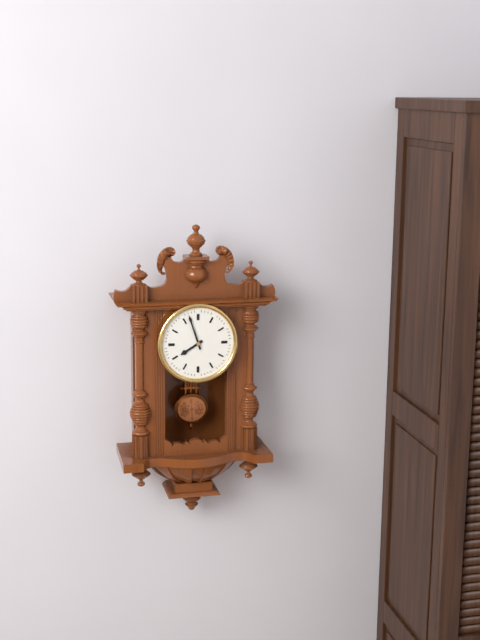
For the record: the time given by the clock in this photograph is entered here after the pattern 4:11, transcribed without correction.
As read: 7:57
